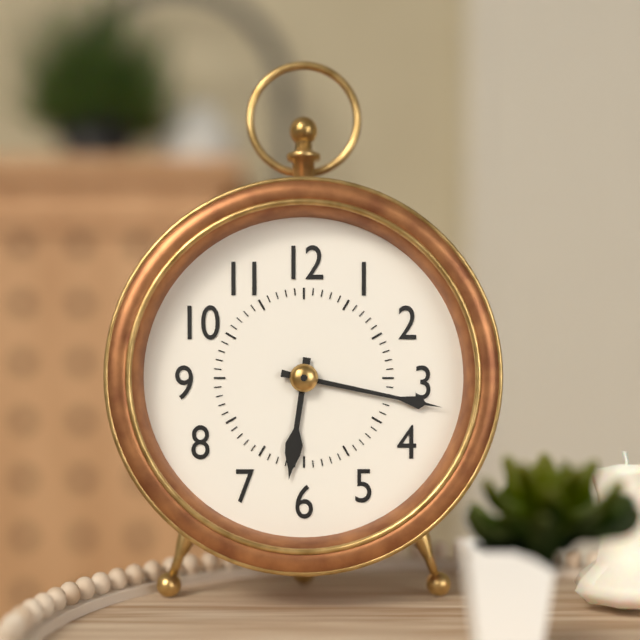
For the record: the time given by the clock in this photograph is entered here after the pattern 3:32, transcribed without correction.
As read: 6:17
